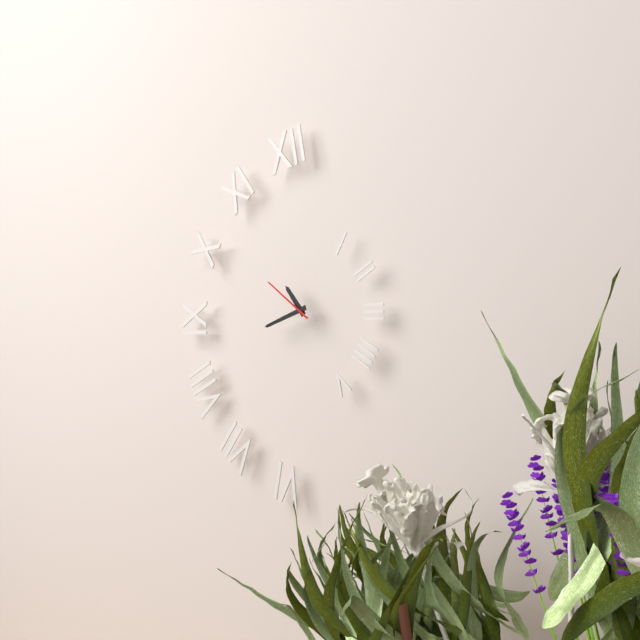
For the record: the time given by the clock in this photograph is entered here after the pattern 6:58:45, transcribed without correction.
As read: 10:42:51
